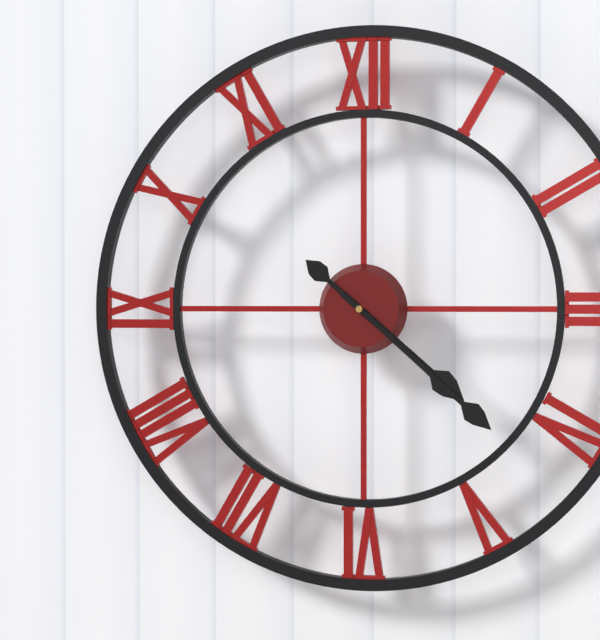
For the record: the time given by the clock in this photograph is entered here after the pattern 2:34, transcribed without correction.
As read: 4:22
